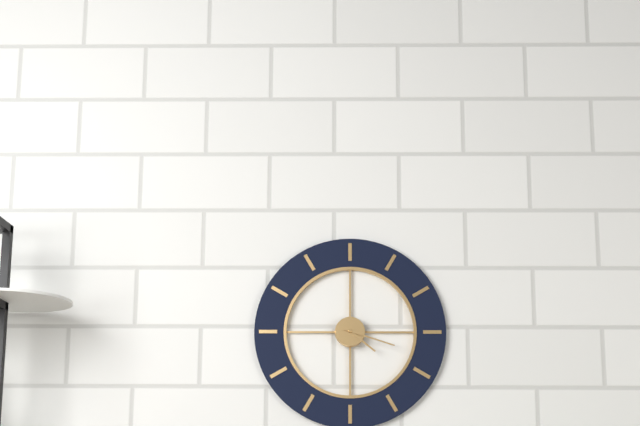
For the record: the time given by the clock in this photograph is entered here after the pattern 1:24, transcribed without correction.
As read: 4:18
